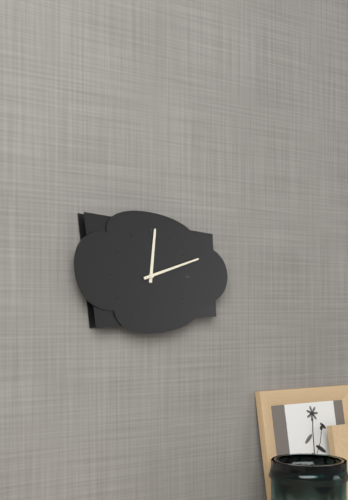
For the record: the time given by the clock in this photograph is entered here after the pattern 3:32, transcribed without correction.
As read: 12:12
